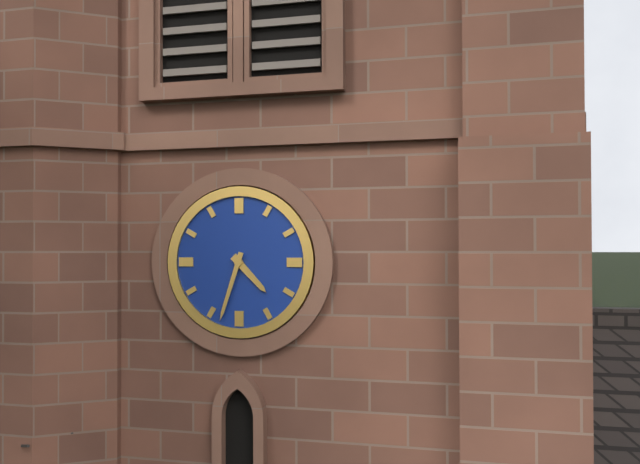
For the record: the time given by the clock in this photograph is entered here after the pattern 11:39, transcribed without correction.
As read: 4:33
